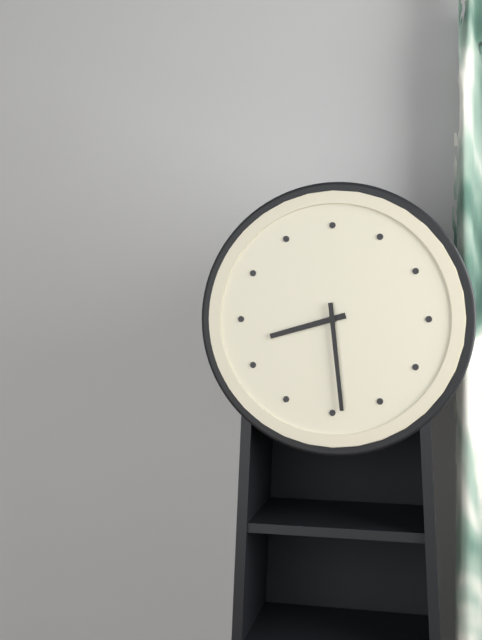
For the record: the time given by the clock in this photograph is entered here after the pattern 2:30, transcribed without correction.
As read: 8:29
